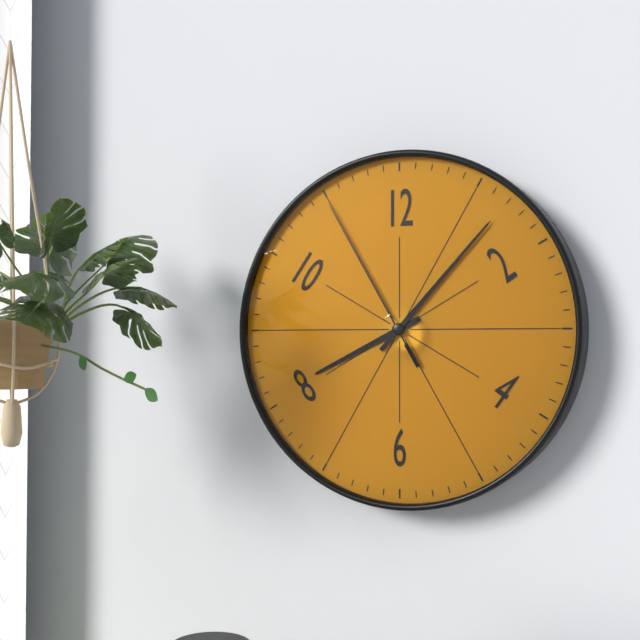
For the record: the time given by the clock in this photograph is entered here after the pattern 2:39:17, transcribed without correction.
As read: 8:07:55
